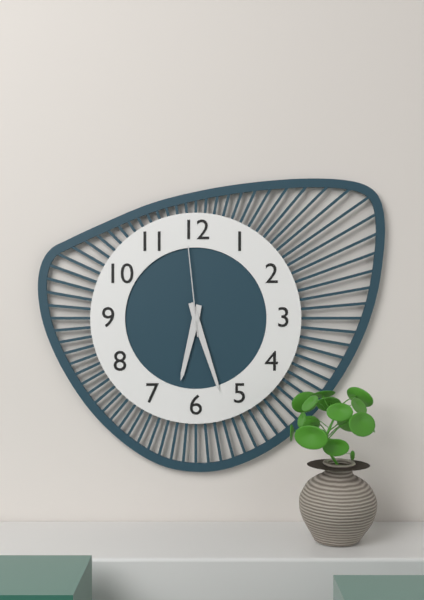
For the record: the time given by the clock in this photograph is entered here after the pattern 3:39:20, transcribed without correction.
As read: 6:27:59
